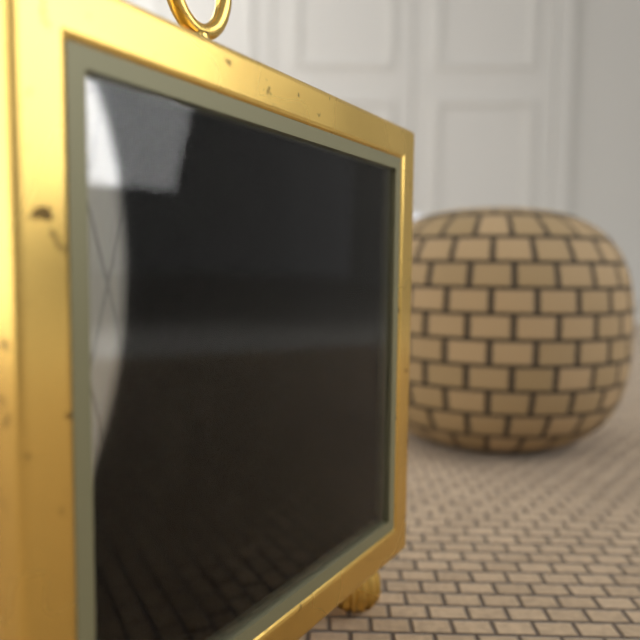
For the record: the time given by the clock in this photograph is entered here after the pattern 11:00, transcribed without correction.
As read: 10:15
